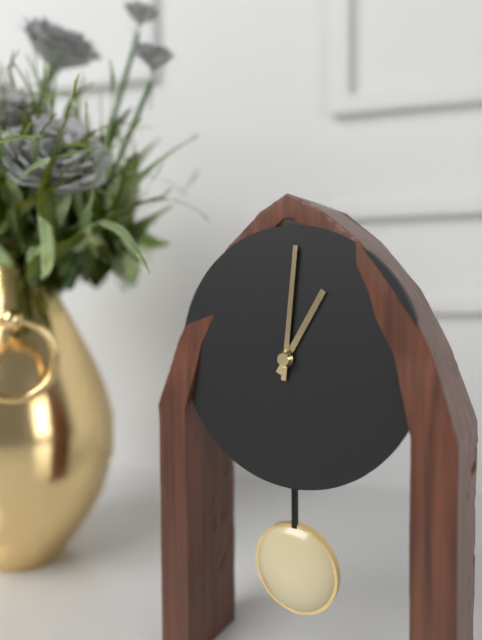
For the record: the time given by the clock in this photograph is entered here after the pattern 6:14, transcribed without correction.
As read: 1:01
